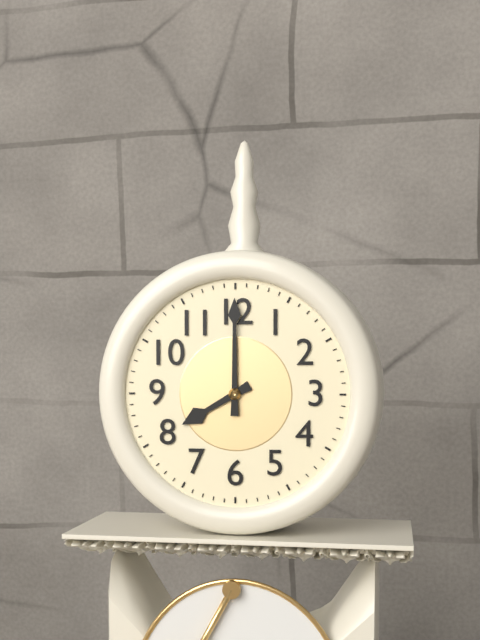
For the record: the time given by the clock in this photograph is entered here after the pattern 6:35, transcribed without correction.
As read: 8:00
